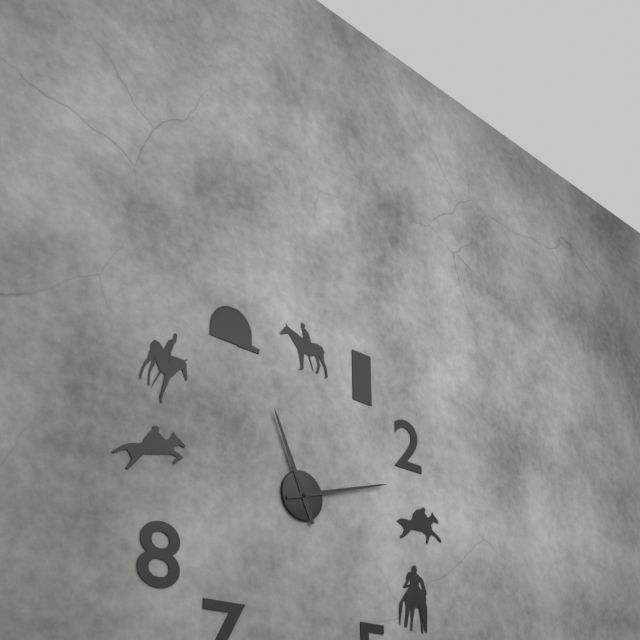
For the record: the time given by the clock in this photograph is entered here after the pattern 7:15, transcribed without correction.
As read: 11:12
